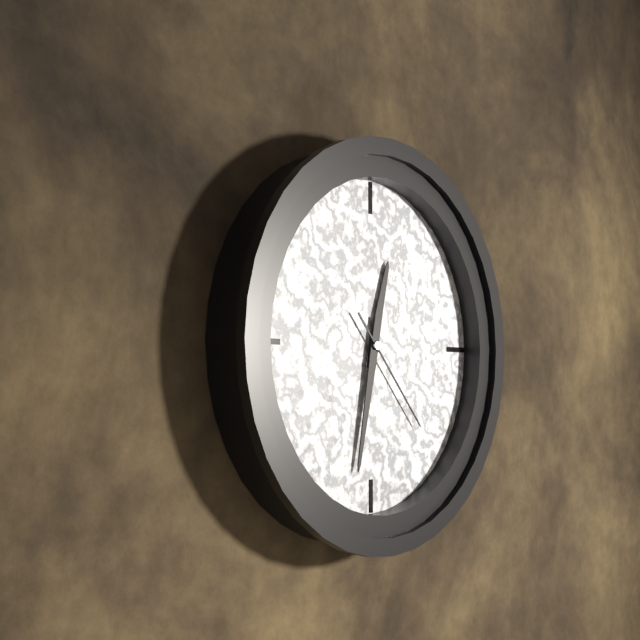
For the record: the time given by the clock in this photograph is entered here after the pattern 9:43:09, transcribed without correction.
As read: 12:32:23
